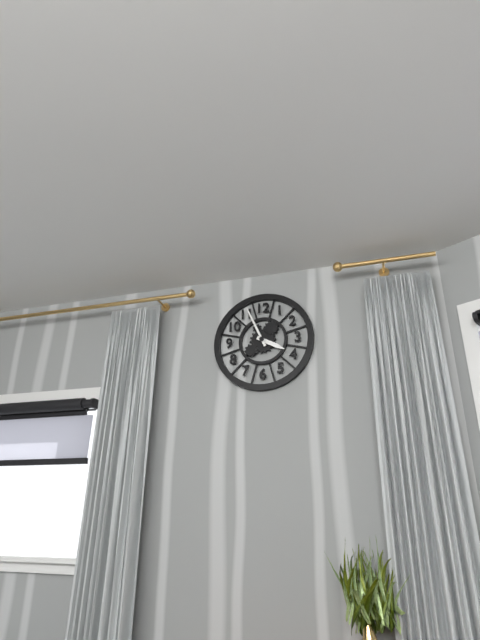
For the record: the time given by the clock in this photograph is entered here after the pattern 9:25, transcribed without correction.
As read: 3:56
